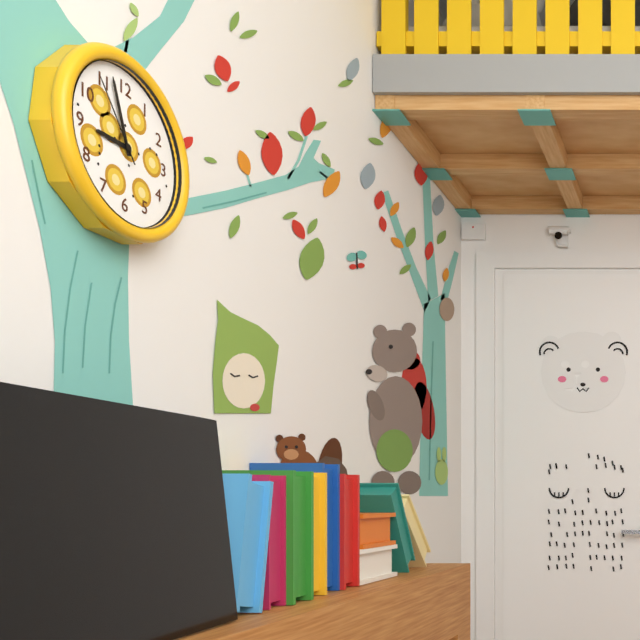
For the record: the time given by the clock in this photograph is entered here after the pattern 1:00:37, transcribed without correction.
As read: 8:57:54
